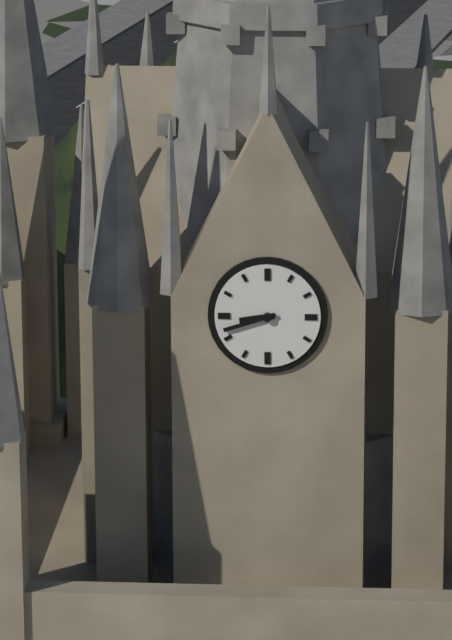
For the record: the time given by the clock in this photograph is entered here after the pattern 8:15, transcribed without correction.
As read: 8:42
